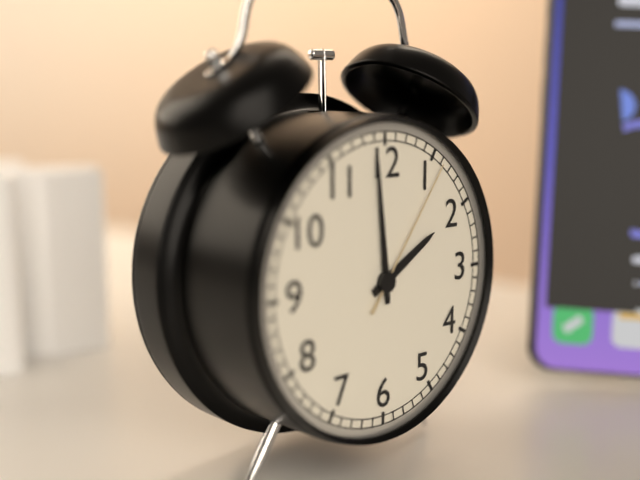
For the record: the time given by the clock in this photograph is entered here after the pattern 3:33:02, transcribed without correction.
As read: 1:59:06
